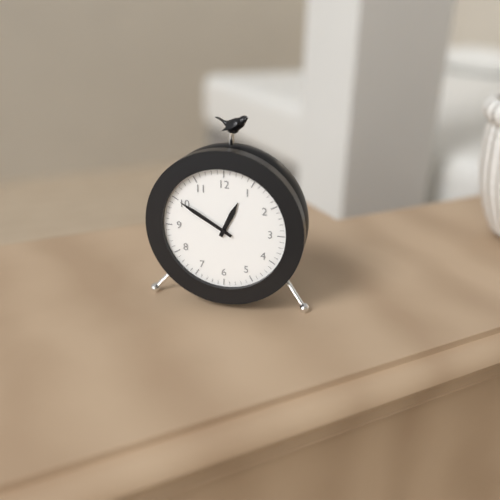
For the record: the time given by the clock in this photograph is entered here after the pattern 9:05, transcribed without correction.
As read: 12:50
